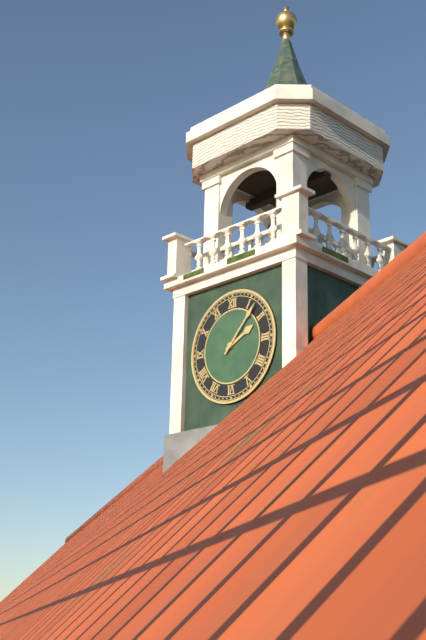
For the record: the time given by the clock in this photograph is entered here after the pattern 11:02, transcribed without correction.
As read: 2:07
